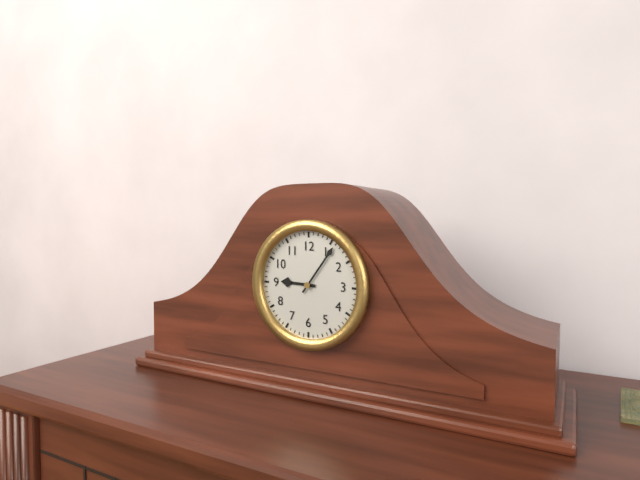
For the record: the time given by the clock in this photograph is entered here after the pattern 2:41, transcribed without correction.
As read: 9:06
